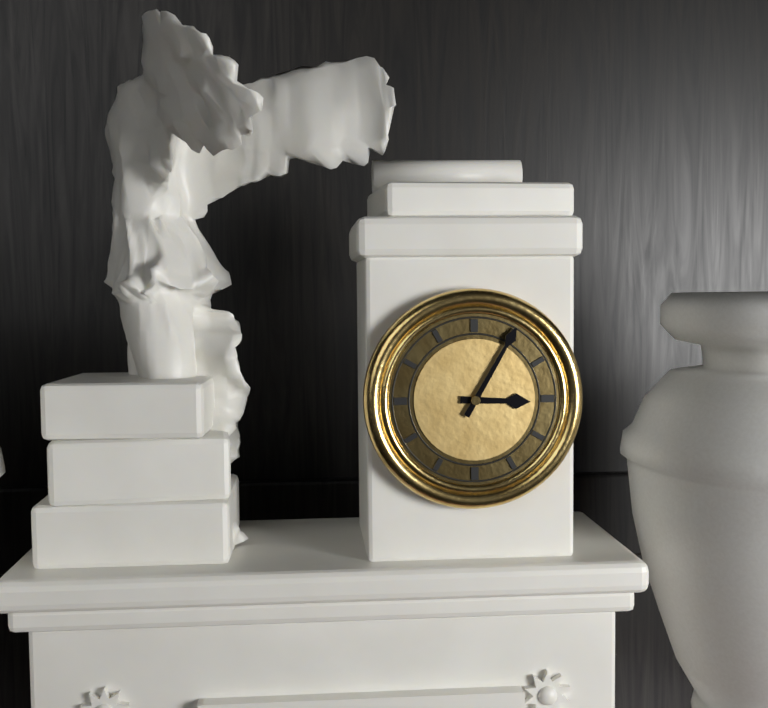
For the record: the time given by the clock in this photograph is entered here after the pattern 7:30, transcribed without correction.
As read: 3:05
